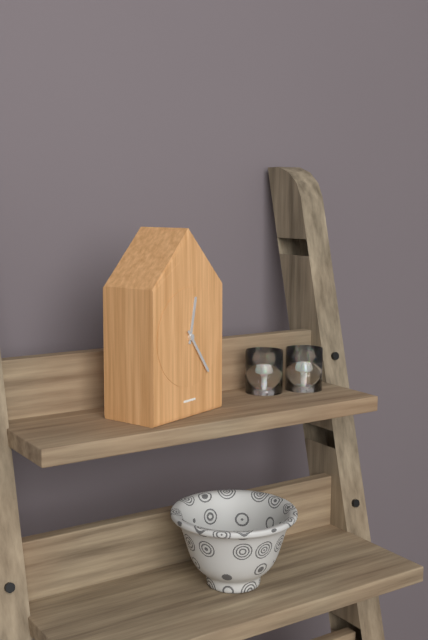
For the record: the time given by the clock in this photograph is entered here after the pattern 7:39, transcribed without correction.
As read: 12:24
